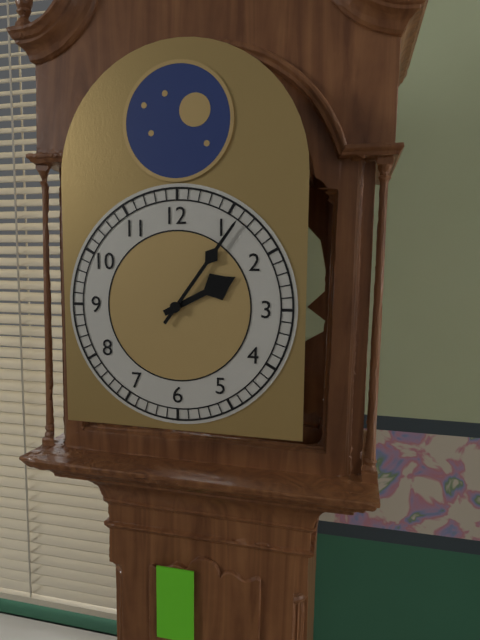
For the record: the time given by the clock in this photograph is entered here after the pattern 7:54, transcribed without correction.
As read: 2:06
